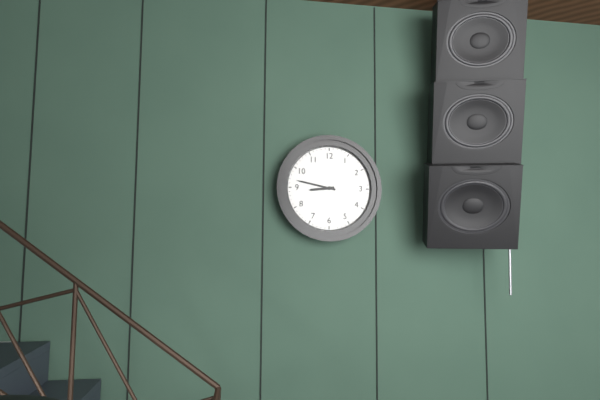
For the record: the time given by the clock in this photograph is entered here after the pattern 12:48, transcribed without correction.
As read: 8:47
